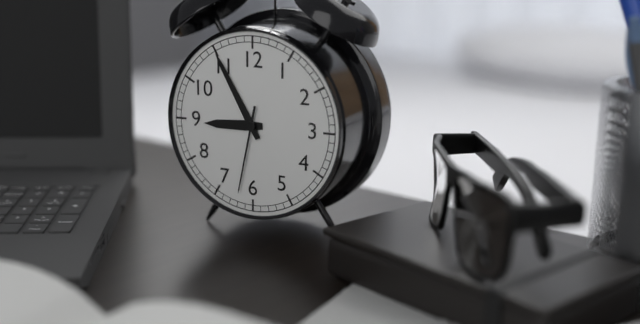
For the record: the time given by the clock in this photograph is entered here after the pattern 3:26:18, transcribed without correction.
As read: 8:55:32
